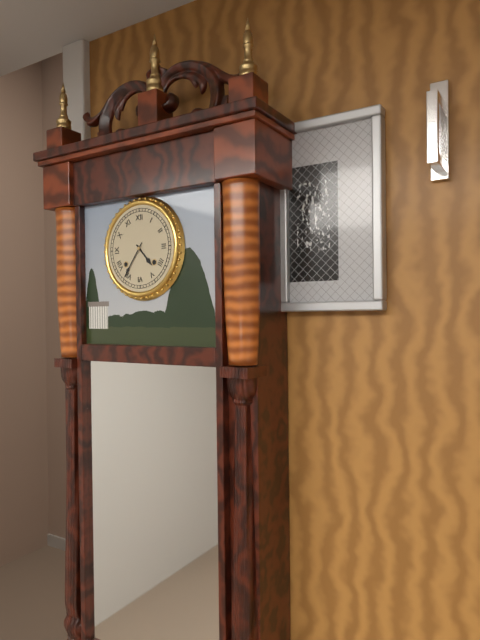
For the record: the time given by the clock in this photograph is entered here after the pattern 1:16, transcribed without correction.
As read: 4:36
